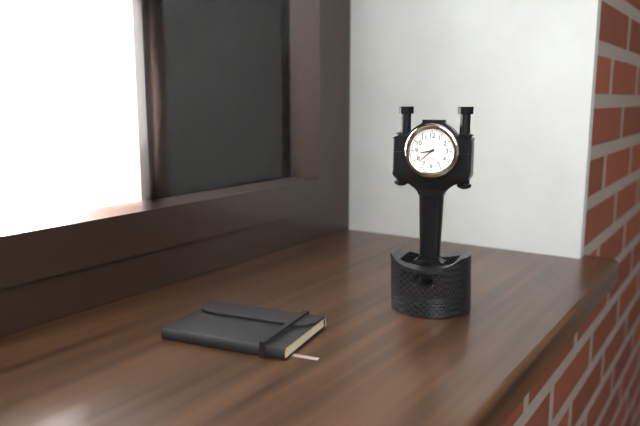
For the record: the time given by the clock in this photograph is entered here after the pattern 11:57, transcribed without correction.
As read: 8:38
